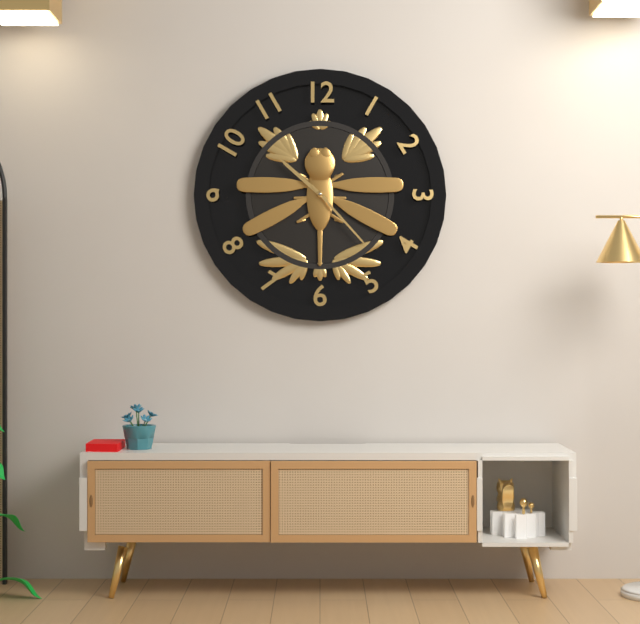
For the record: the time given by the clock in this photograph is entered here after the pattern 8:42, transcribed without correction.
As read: 10:23
